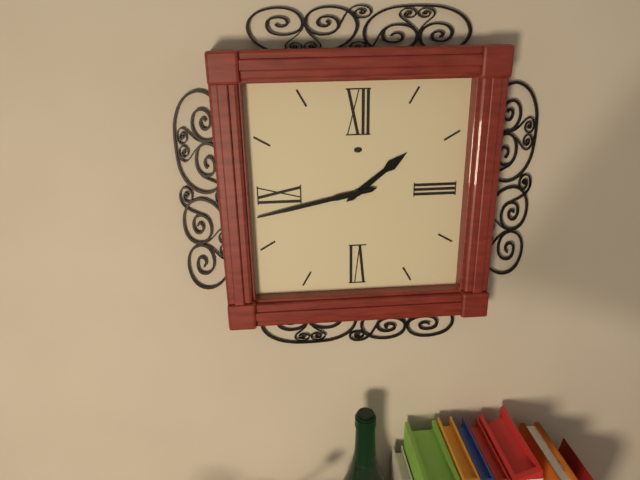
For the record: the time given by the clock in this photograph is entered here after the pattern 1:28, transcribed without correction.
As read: 1:43
